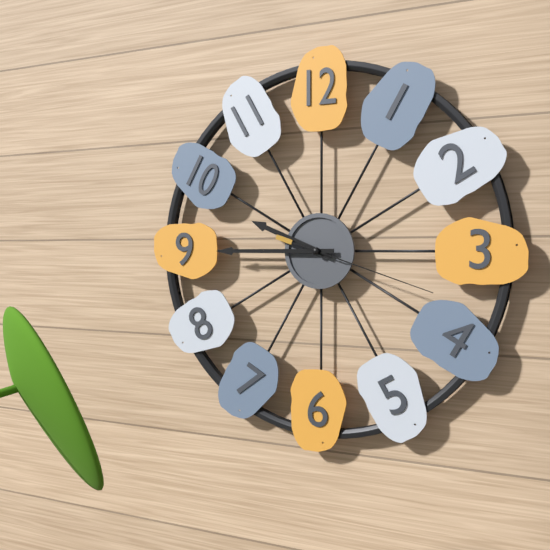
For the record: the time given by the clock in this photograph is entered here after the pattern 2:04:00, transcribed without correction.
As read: 9:45:18
